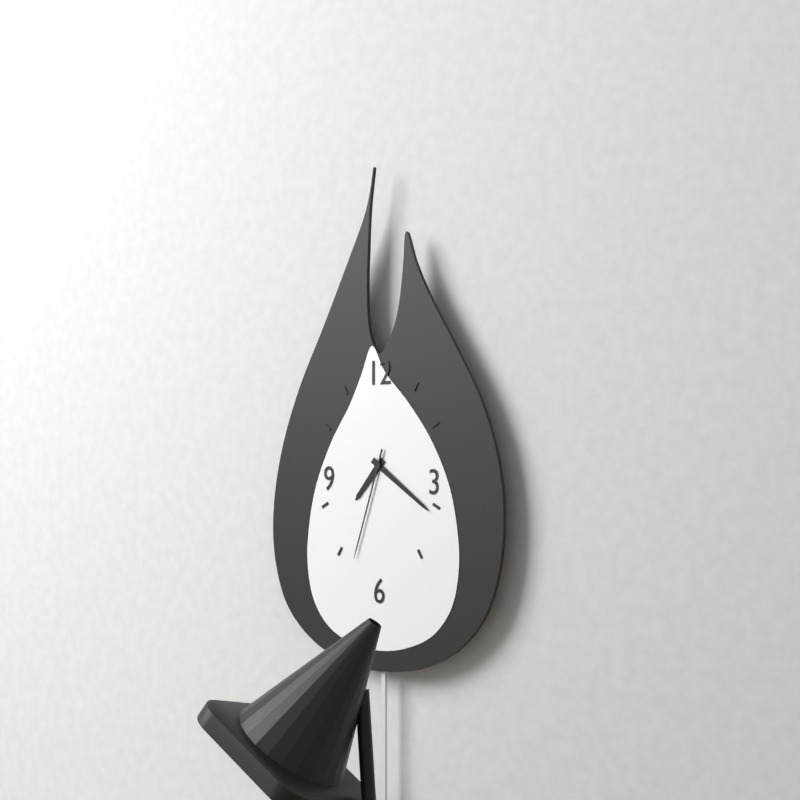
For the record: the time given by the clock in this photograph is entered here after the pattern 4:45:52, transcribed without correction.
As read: 7:21:33
